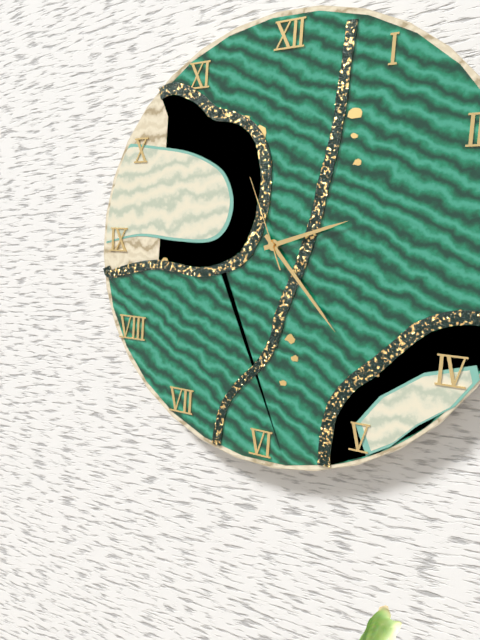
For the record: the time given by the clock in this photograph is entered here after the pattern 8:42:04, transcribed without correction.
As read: 2:23:56
